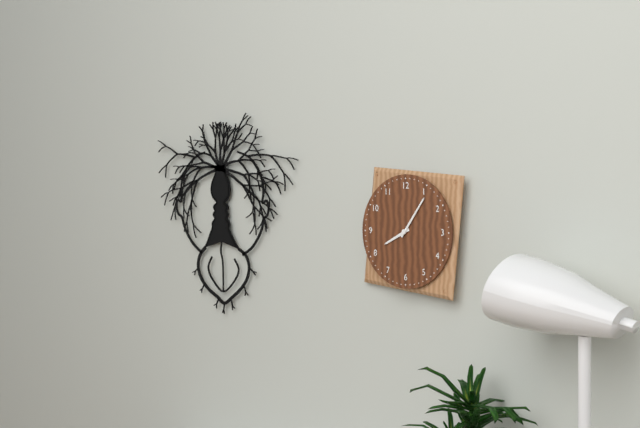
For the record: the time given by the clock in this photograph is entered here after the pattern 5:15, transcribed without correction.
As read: 8:06
